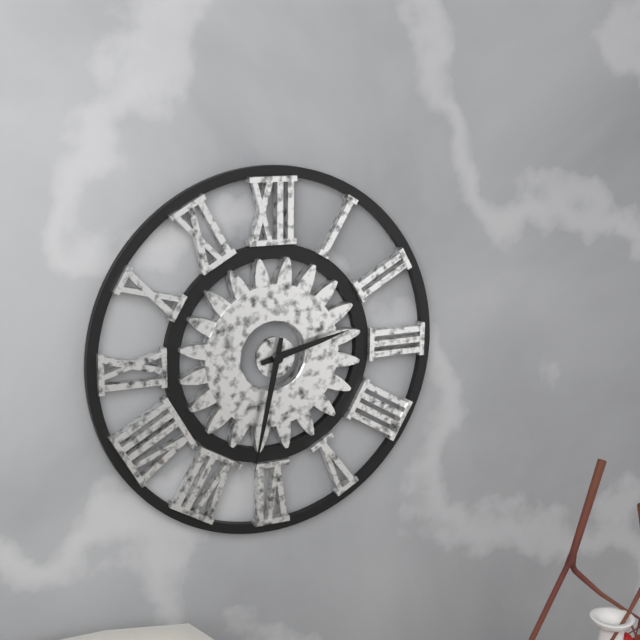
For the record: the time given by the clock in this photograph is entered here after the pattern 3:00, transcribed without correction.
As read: 2:32
